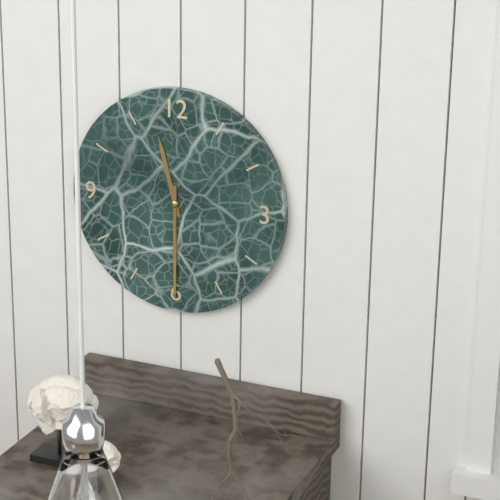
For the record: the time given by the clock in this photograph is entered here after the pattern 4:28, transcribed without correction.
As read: 11:30
